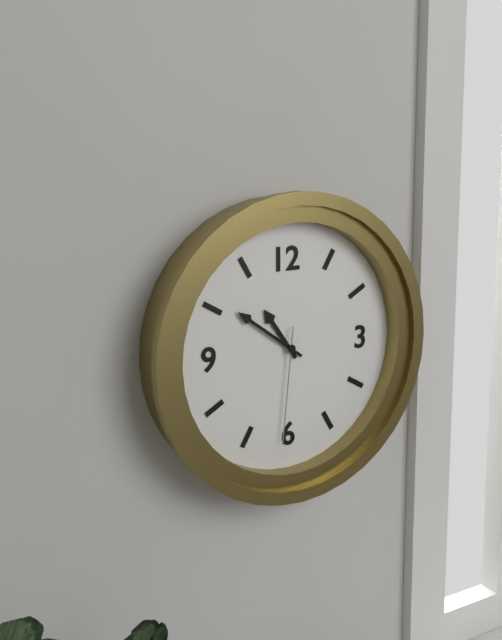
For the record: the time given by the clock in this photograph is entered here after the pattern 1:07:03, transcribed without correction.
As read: 10:51:31
